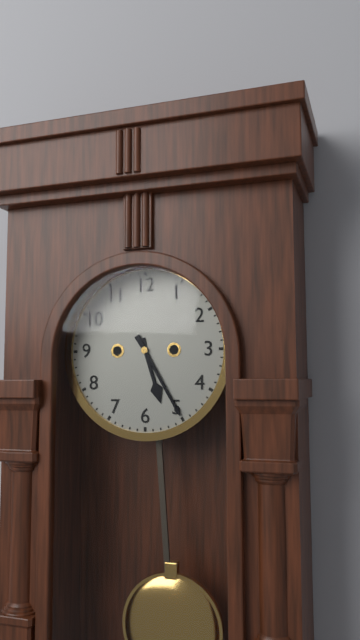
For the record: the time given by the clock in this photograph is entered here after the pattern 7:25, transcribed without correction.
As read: 5:25
